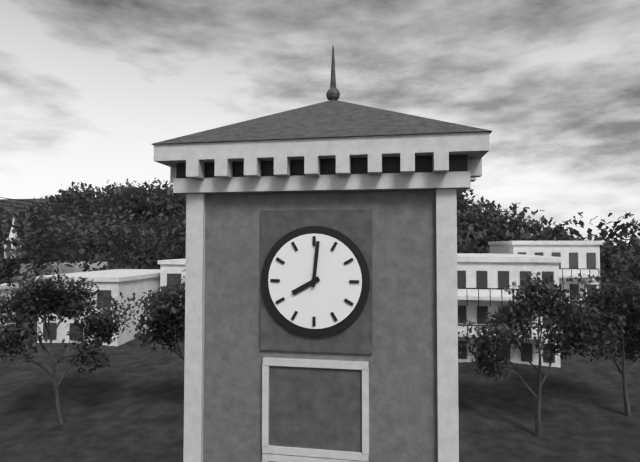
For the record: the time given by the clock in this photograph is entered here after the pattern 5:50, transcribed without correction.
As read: 8:01
